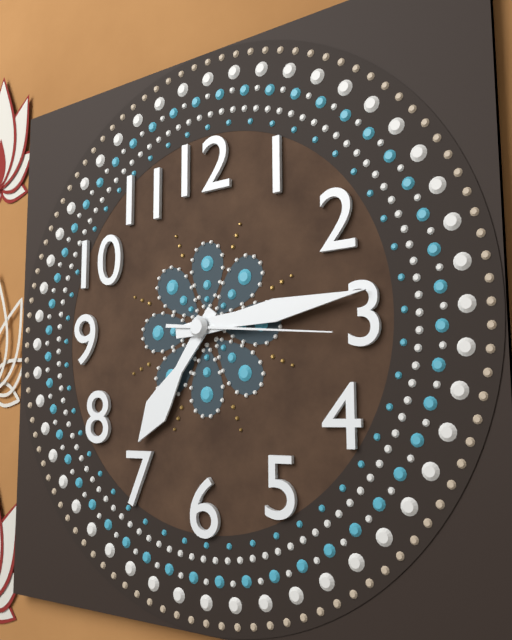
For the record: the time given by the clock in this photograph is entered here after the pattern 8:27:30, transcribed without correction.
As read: 7:14:16
